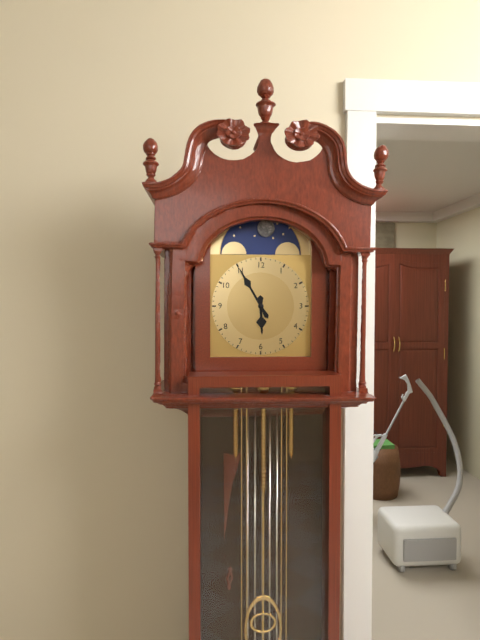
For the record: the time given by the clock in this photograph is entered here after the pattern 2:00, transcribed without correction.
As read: 5:55
